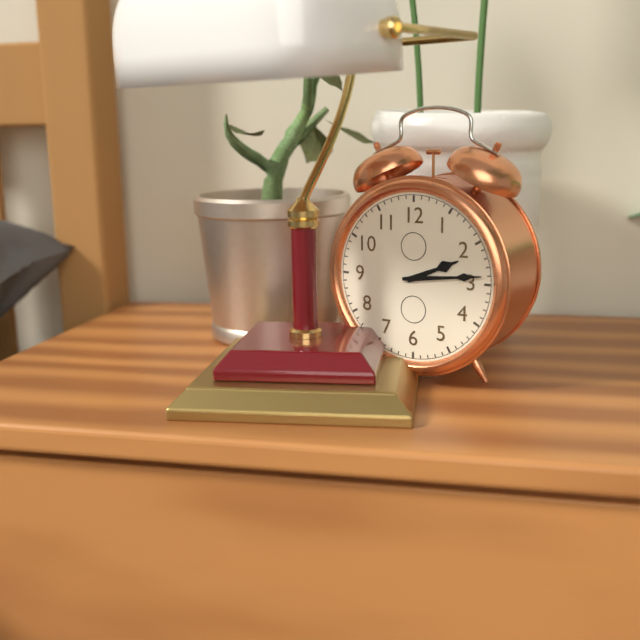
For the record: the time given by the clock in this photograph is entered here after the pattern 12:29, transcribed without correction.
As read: 2:14
